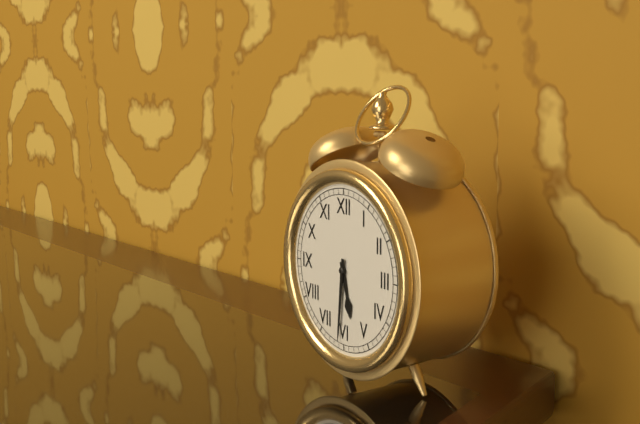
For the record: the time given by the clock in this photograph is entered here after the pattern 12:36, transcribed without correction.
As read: 5:31
